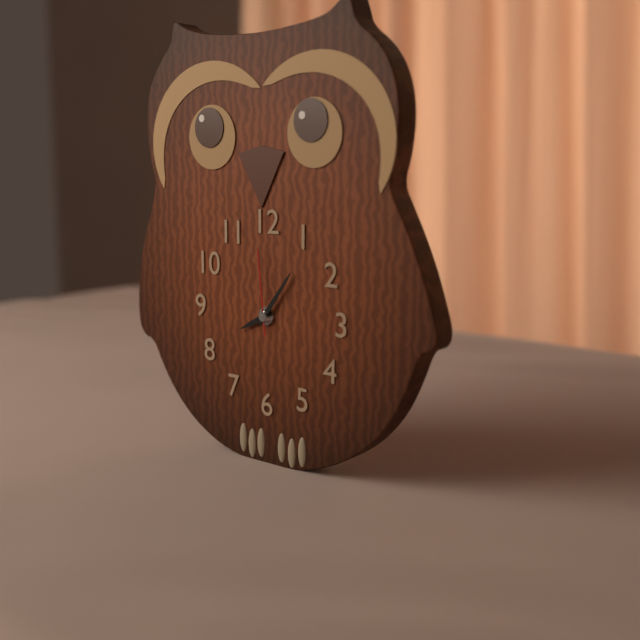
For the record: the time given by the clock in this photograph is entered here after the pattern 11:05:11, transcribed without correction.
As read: 8:06:59
